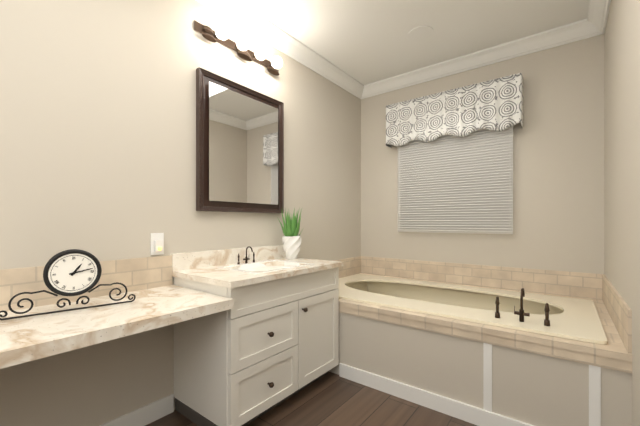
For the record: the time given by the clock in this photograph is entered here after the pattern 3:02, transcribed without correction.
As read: 1:13
